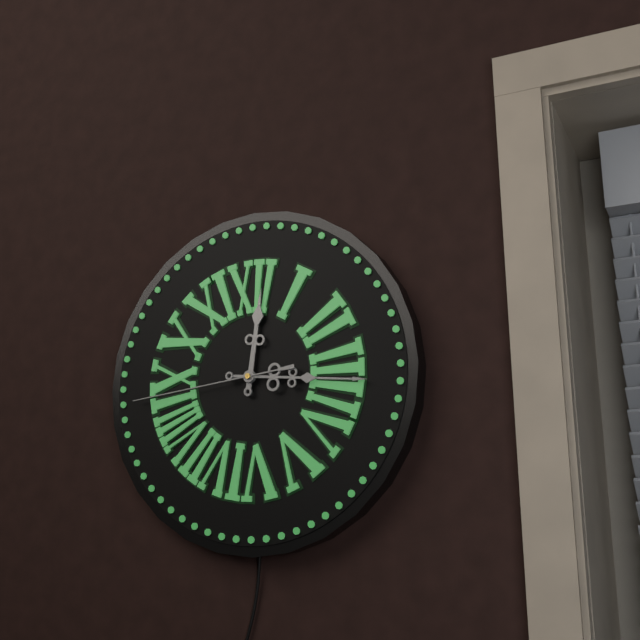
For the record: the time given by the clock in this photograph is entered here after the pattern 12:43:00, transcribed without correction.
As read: 12:16:44
